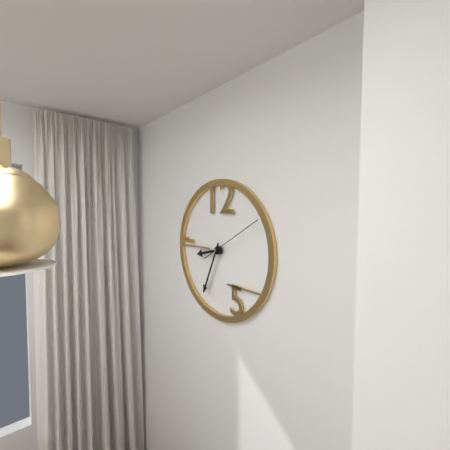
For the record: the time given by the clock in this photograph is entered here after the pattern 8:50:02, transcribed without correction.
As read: 8:34:10
